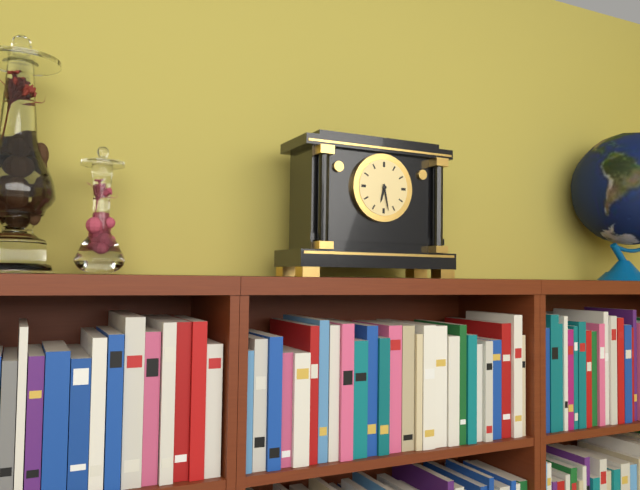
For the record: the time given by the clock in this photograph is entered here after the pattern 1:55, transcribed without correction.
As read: 6:28
